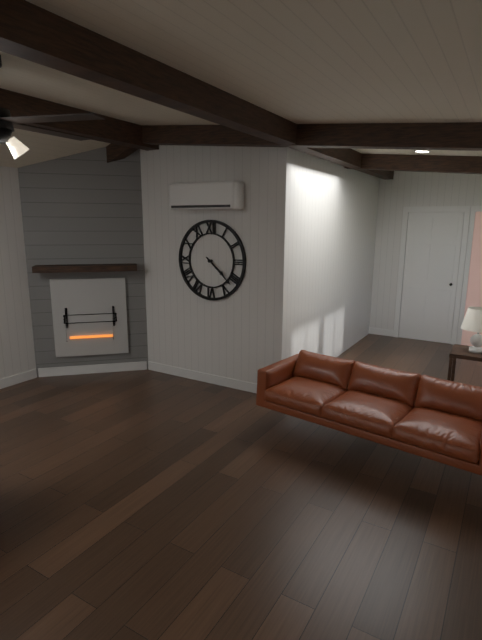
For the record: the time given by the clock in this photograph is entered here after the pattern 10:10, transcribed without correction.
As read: 4:22
